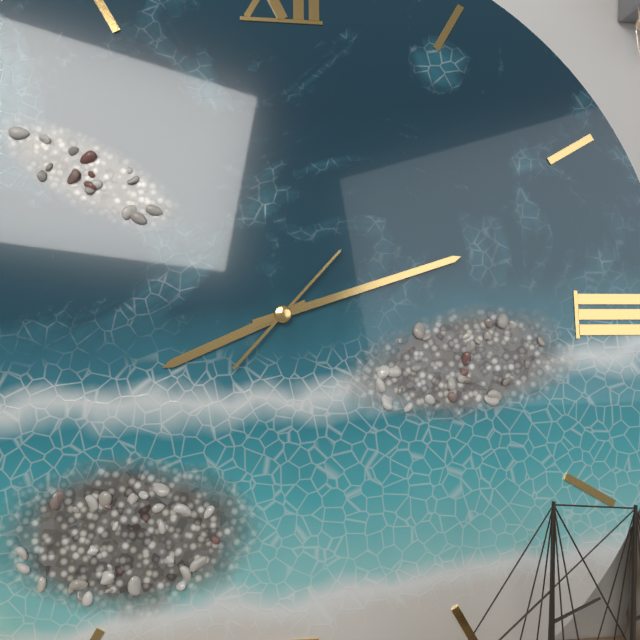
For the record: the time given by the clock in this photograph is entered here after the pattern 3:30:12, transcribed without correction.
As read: 8:12:07
